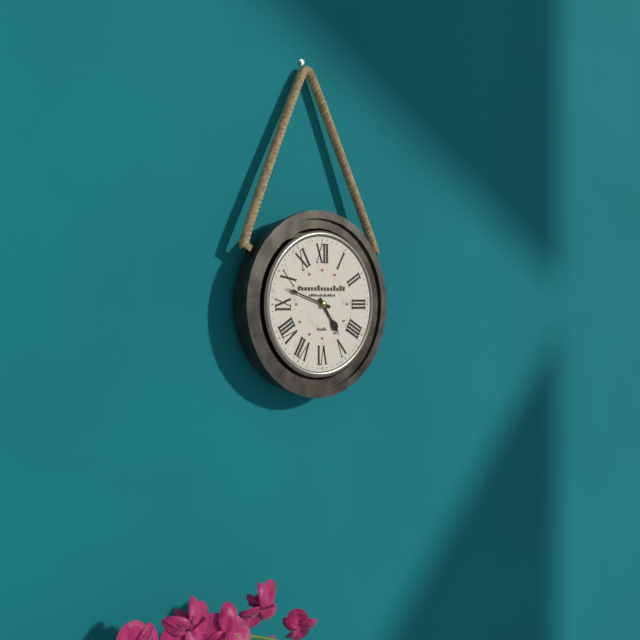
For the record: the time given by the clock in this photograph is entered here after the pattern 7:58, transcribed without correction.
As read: 4:48
